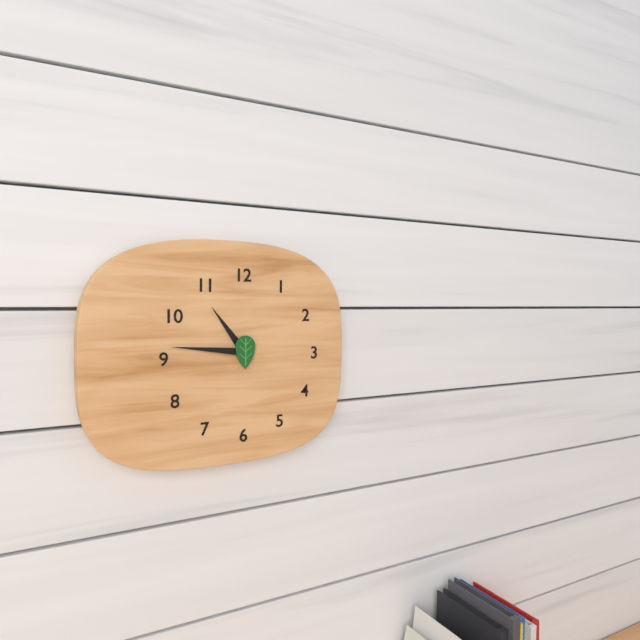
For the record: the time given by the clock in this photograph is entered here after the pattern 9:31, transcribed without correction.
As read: 10:46
